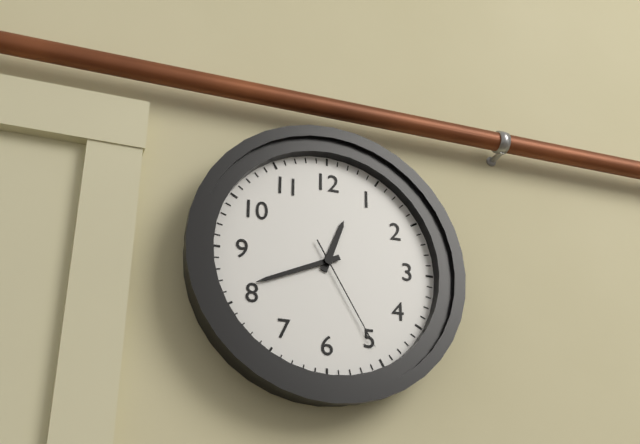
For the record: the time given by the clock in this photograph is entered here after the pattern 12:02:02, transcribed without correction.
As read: 12:41:25
